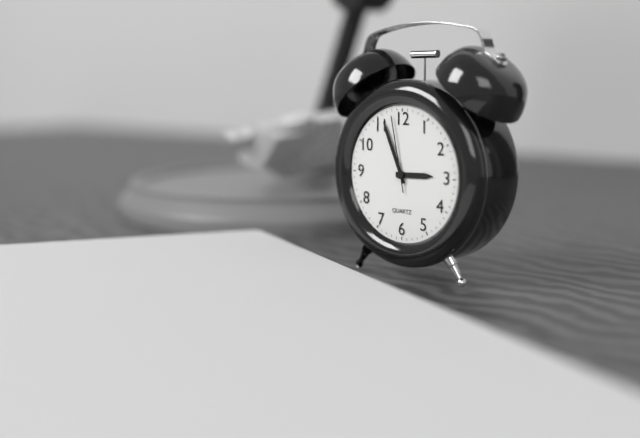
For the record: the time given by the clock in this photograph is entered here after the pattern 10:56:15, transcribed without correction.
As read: 2:56:58
